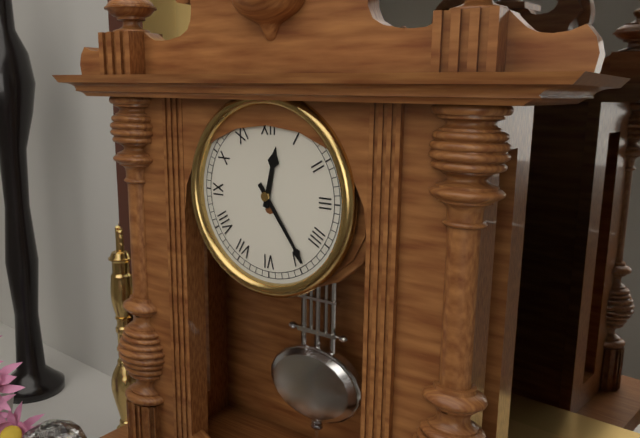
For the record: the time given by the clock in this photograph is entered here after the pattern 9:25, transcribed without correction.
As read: 12:24
